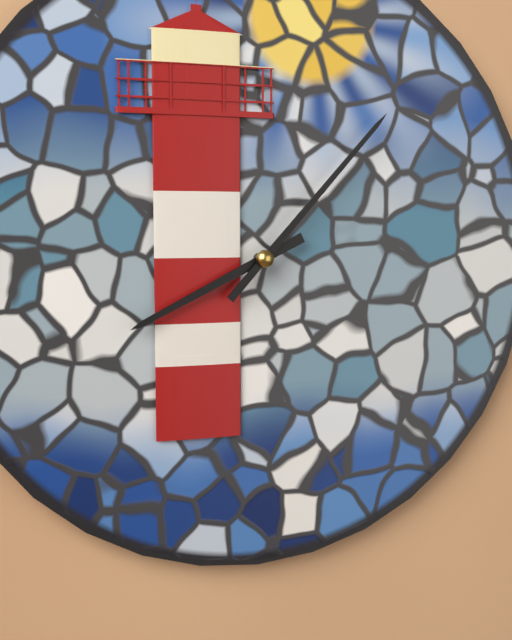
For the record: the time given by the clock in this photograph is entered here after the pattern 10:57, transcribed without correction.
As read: 8:07
